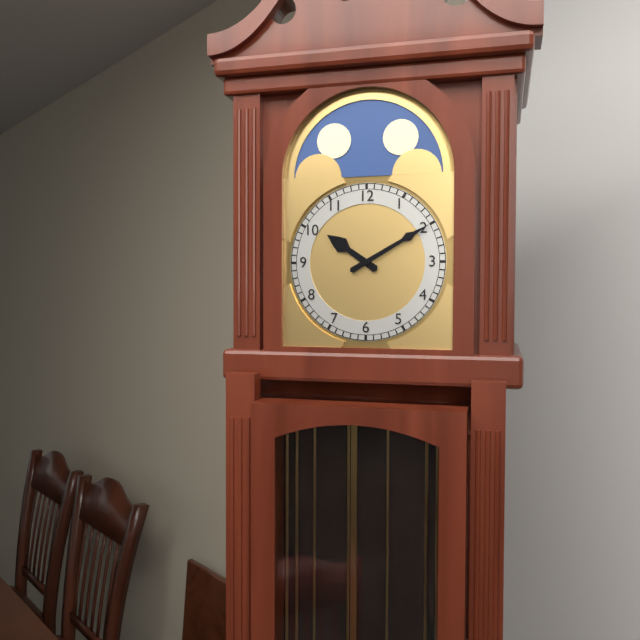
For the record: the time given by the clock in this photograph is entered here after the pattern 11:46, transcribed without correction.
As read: 10:10
